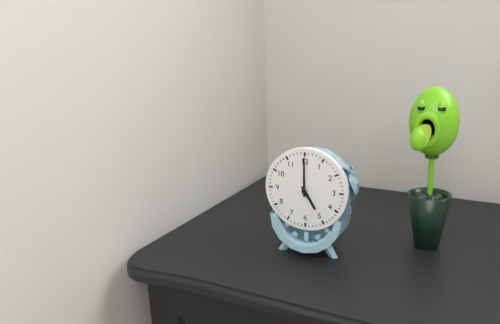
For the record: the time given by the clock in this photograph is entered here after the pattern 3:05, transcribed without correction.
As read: 5:00
